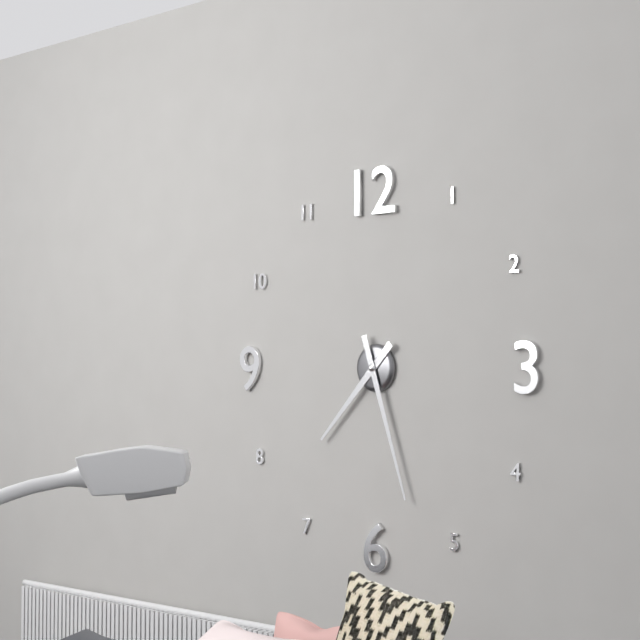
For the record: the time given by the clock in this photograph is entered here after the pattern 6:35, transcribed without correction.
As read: 7:27
